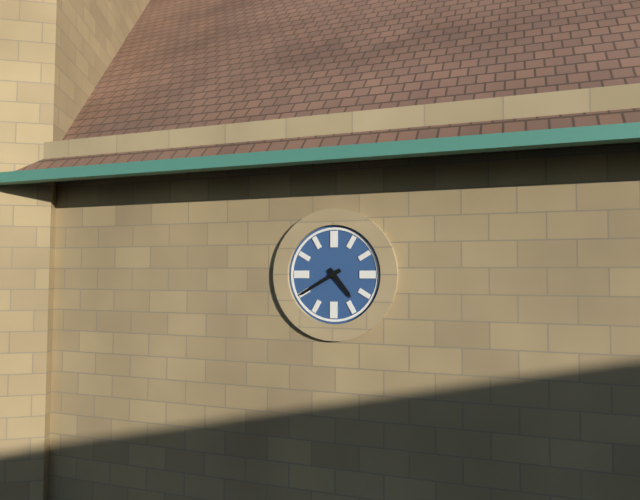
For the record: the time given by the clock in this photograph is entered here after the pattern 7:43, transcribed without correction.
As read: 4:40
